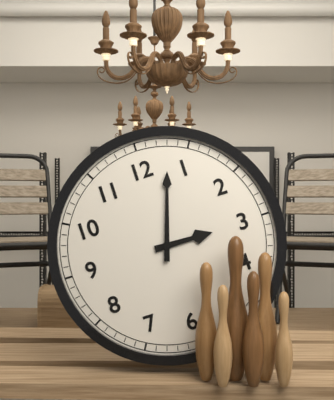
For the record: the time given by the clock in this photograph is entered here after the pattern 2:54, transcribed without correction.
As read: 3:03
